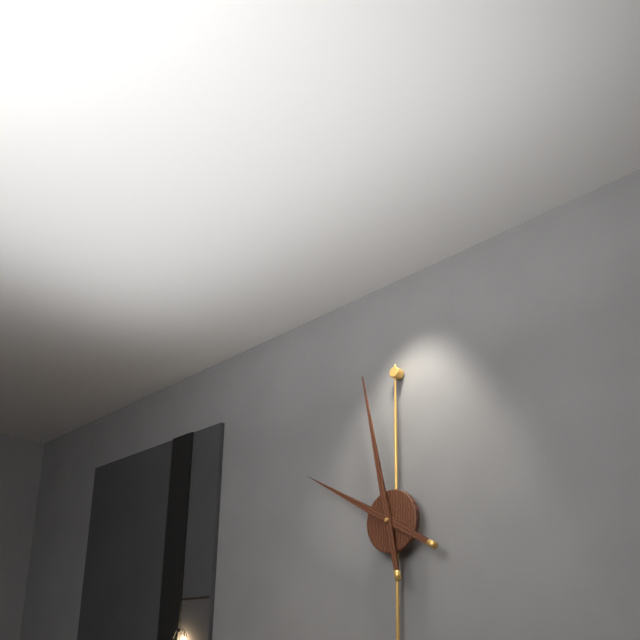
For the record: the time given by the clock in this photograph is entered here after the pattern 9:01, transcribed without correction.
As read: 9:58
